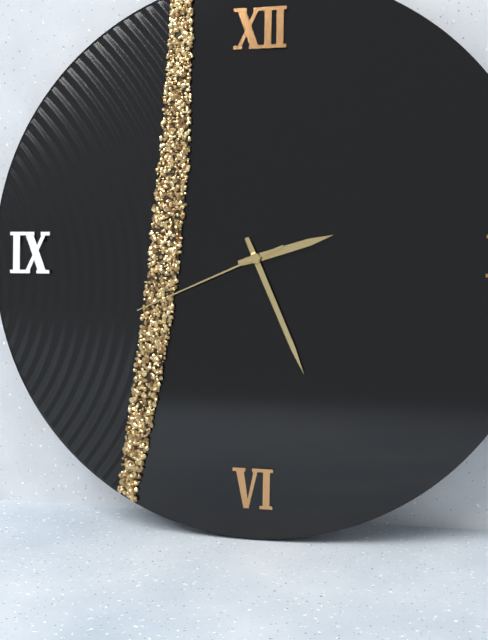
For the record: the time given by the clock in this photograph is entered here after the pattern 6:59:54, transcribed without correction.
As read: 2:26:41
